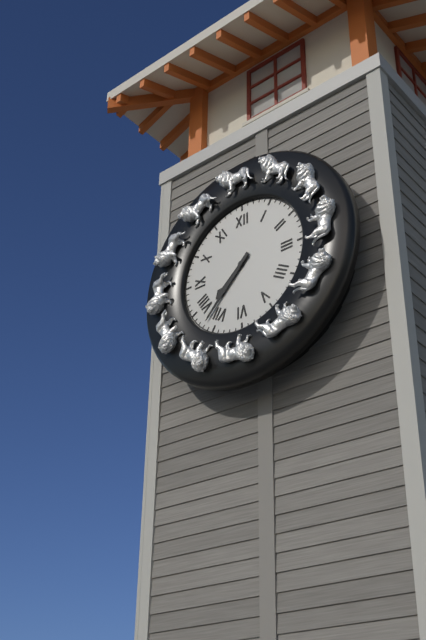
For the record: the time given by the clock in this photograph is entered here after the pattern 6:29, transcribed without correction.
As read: 7:37
